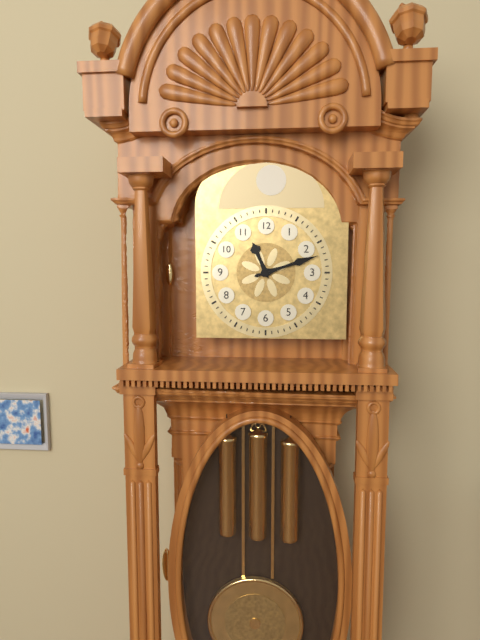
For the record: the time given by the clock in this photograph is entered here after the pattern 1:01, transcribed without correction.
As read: 11:12
